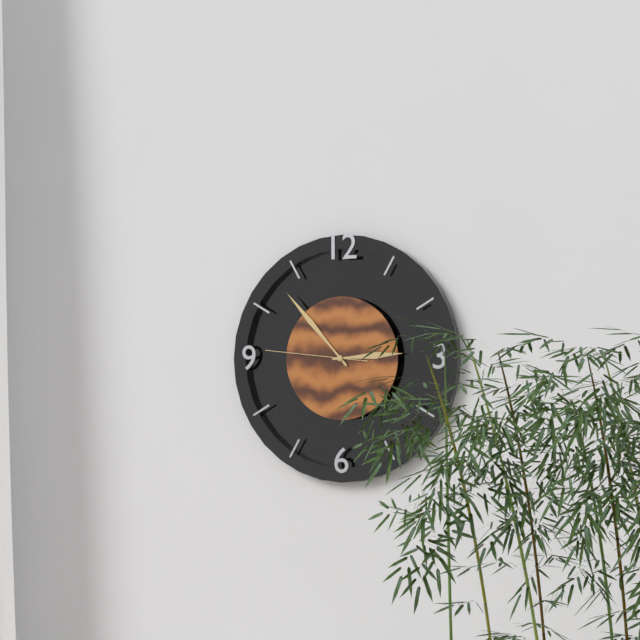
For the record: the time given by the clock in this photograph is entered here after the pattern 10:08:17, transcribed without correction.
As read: 2:53:46
